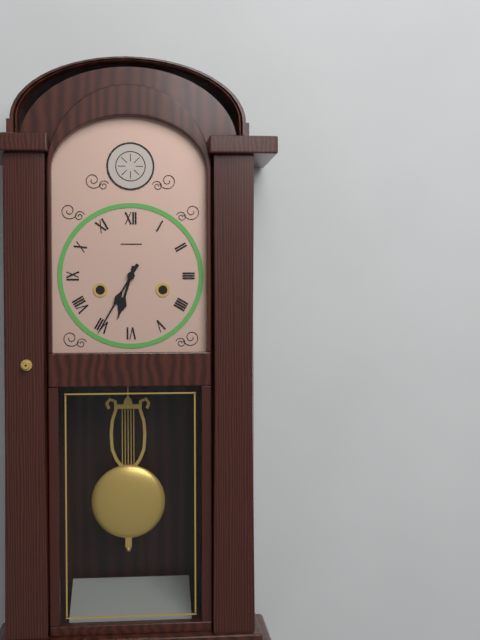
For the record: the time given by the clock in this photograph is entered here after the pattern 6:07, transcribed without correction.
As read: 6:35
